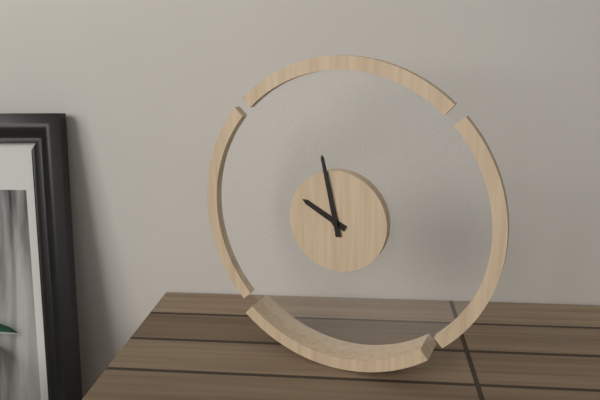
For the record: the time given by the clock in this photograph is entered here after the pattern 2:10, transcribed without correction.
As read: 9:58
